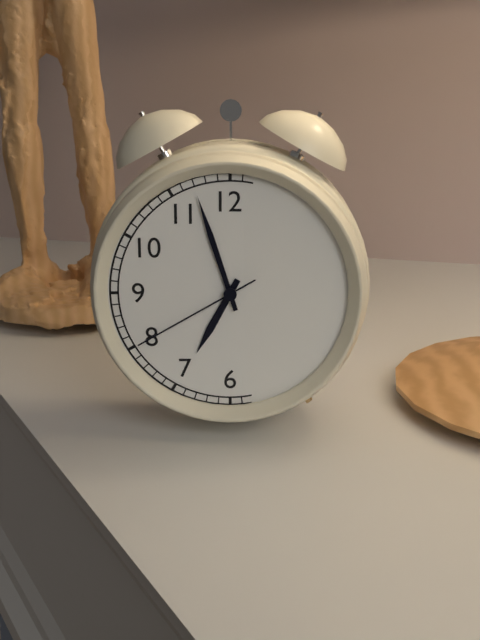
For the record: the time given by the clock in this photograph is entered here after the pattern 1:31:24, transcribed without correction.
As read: 6:57:40
